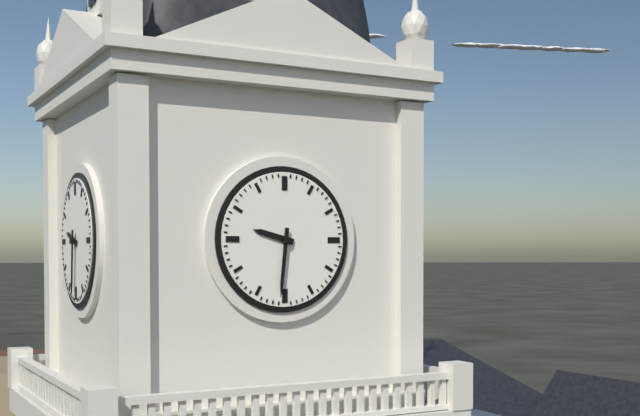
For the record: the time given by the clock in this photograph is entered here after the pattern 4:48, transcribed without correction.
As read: 9:31
